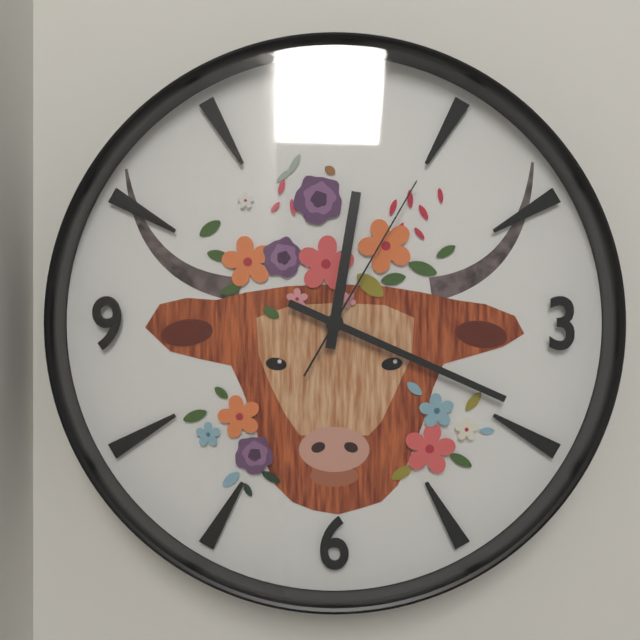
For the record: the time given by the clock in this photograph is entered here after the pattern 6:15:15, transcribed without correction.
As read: 12:19:05
